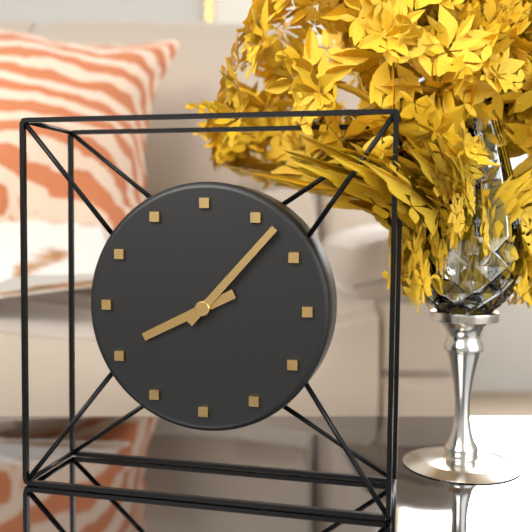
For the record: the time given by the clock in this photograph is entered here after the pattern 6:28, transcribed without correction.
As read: 8:07
